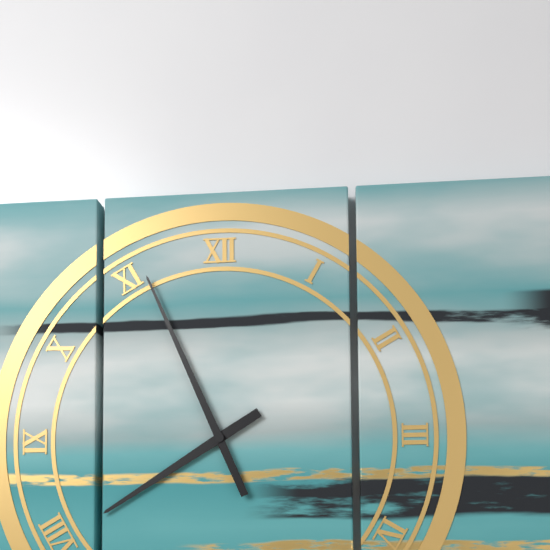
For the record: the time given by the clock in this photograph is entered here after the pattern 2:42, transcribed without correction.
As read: 7:56
